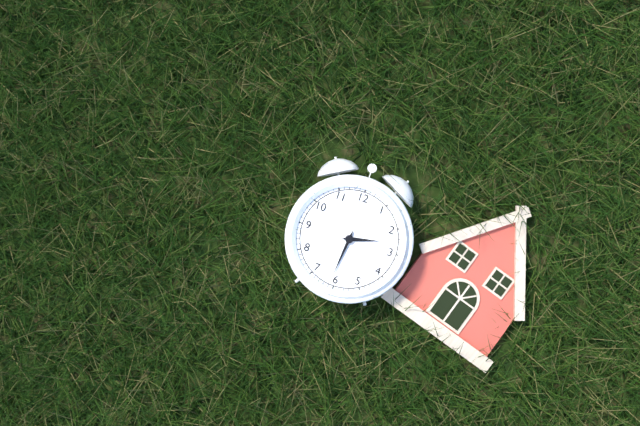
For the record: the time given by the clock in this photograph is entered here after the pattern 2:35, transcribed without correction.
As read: 2:31
